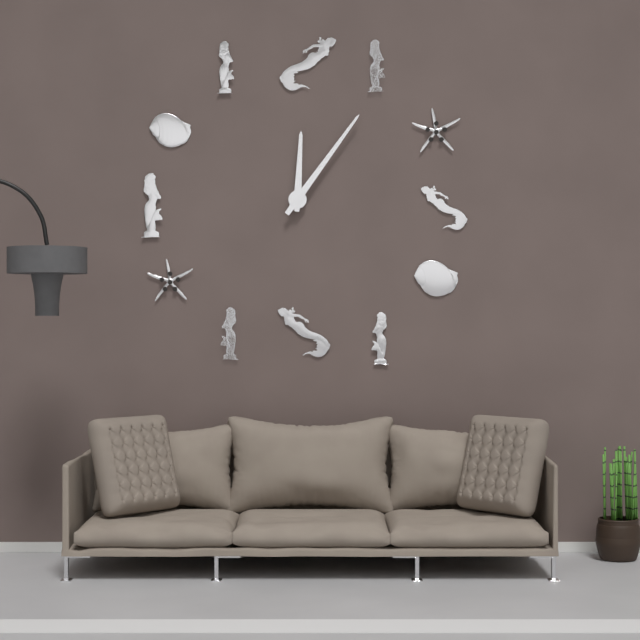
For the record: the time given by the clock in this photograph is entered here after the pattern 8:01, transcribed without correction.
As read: 12:06
